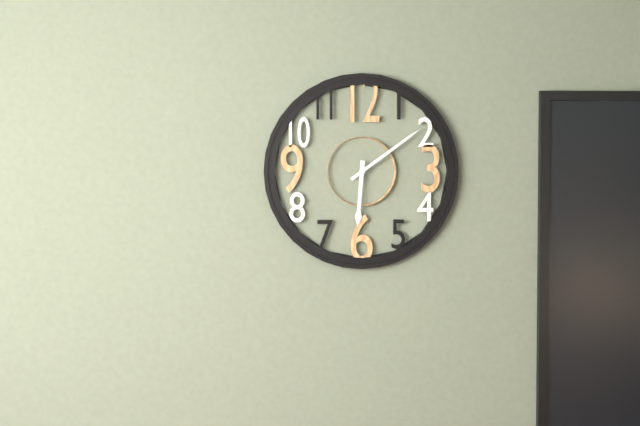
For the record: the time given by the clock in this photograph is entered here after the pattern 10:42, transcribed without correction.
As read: 6:09
